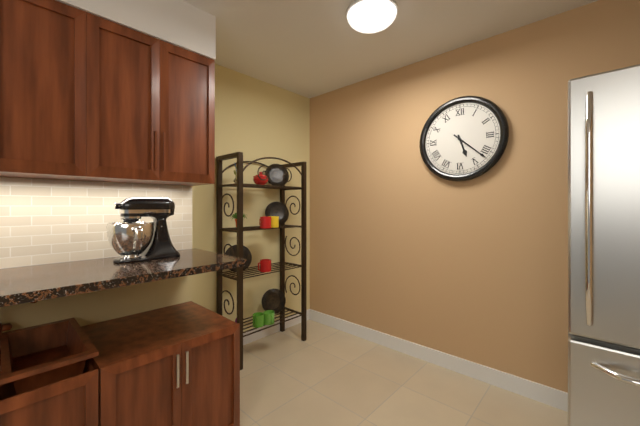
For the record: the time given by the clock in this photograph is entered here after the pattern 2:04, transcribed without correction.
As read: 5:22
